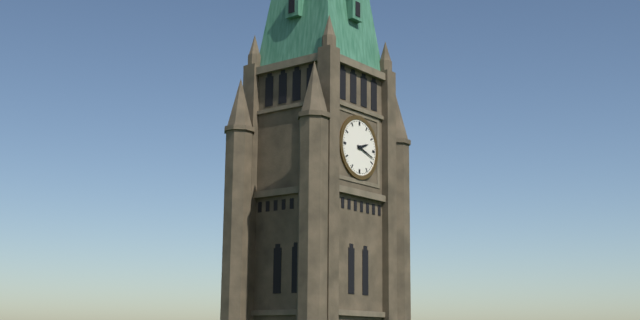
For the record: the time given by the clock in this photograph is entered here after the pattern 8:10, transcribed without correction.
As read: 2:18
